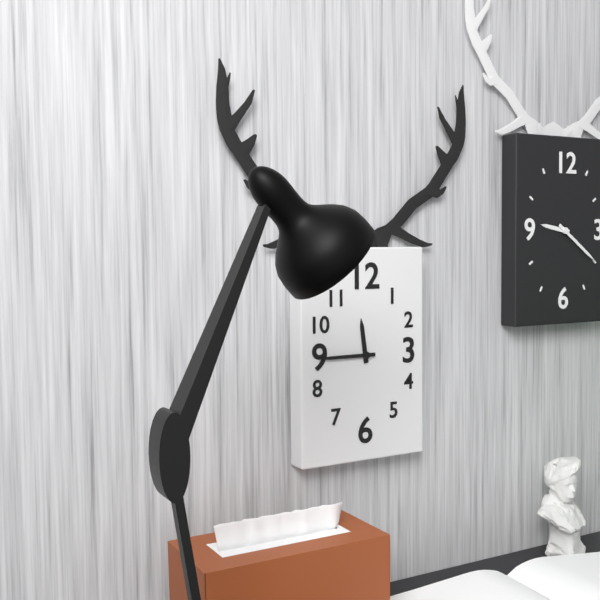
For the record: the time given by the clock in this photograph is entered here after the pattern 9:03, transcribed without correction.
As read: 11:45
